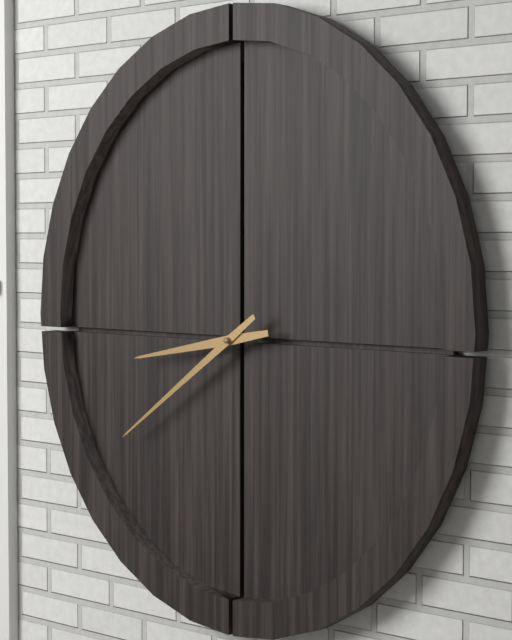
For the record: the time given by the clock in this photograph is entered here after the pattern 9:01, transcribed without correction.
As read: 8:39
